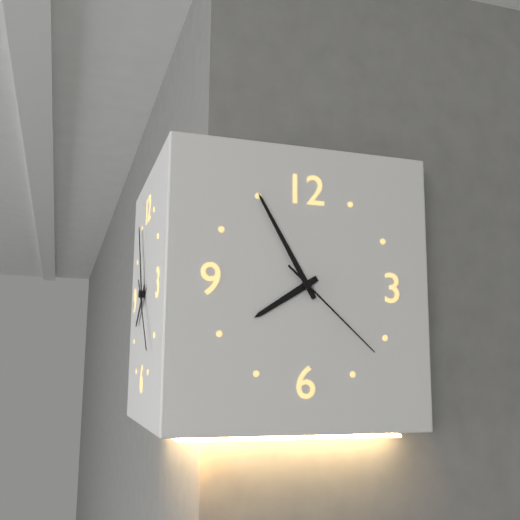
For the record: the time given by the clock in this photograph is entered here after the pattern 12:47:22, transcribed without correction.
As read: 7:55:22
